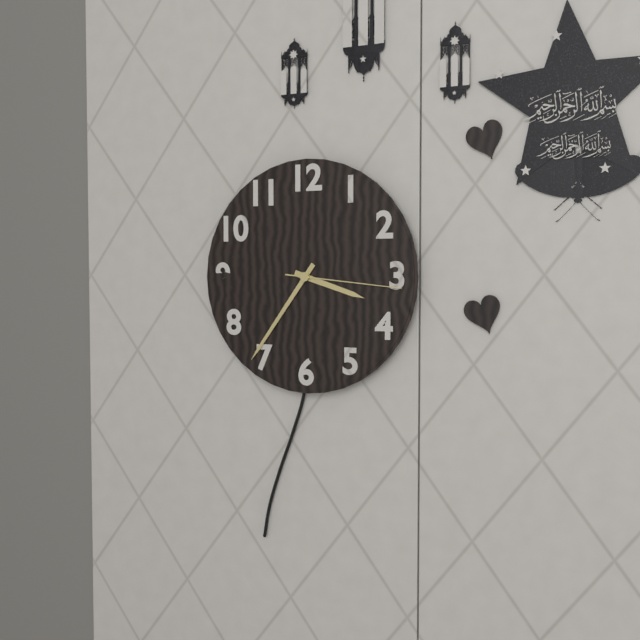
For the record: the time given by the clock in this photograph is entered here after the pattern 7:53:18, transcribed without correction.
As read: 3:36:16
